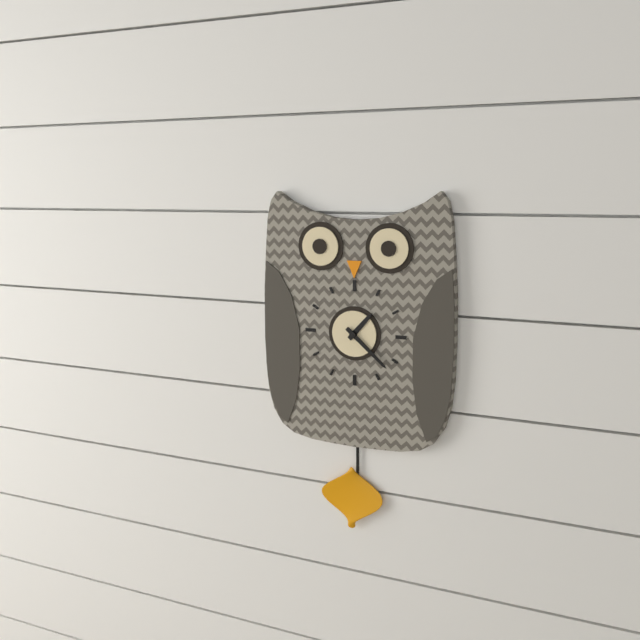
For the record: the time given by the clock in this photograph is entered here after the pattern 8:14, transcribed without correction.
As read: 1:22
